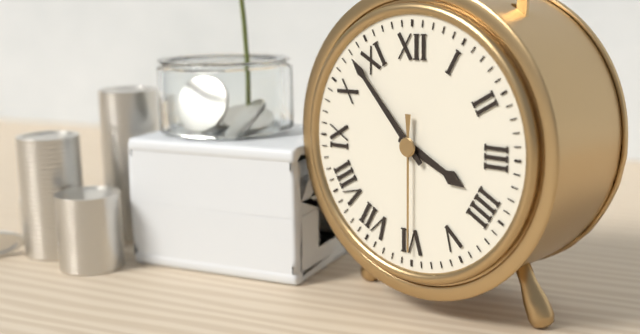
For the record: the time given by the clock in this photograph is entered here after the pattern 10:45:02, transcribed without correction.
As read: 3:53:30
